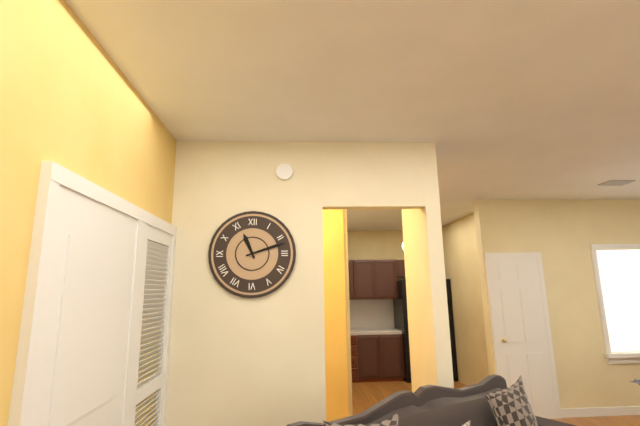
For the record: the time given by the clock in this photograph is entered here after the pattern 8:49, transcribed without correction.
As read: 11:12
